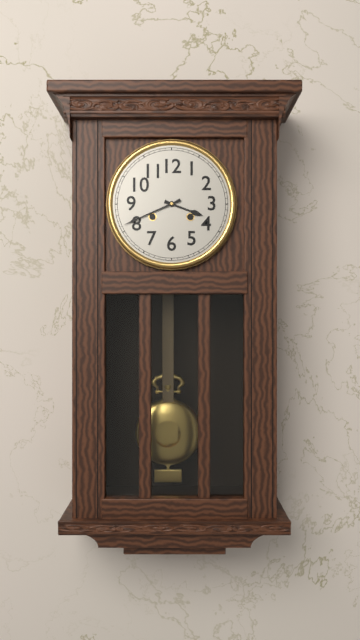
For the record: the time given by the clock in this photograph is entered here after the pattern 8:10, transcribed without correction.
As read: 3:41
